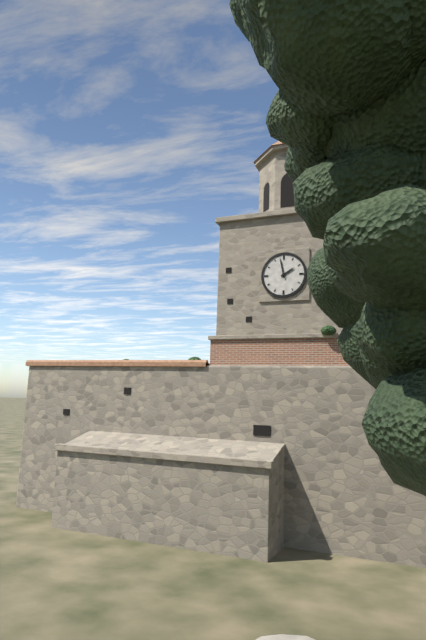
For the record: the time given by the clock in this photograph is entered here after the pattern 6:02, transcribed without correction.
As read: 1:58
